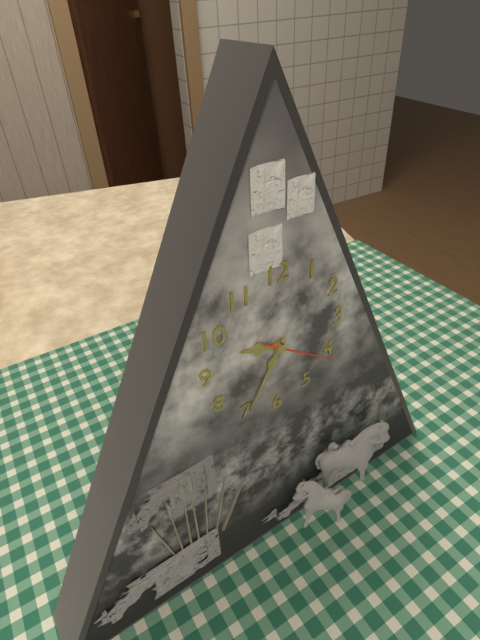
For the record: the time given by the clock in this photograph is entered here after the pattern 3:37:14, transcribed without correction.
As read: 9:35:21
